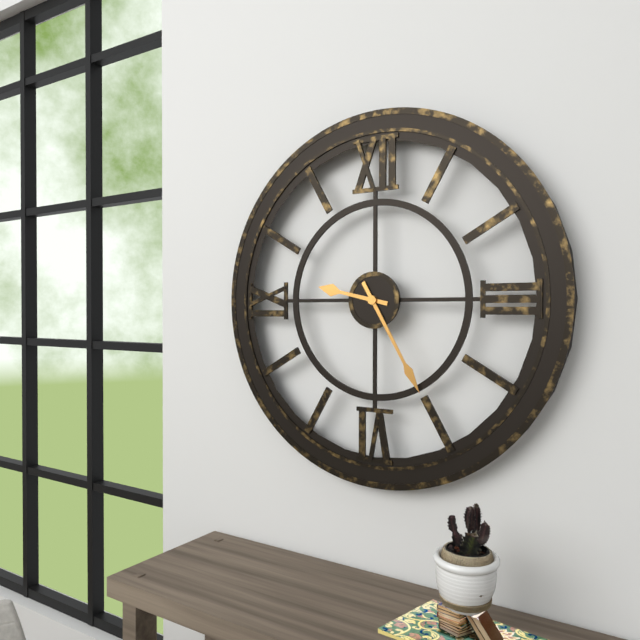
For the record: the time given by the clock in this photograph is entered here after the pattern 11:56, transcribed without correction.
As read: 9:25
